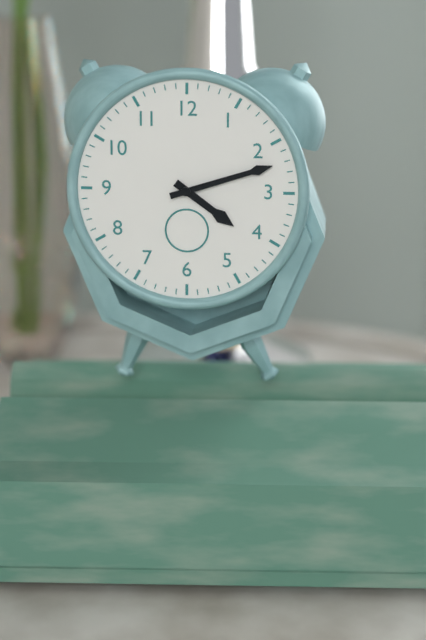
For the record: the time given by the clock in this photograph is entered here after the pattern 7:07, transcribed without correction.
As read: 4:12
